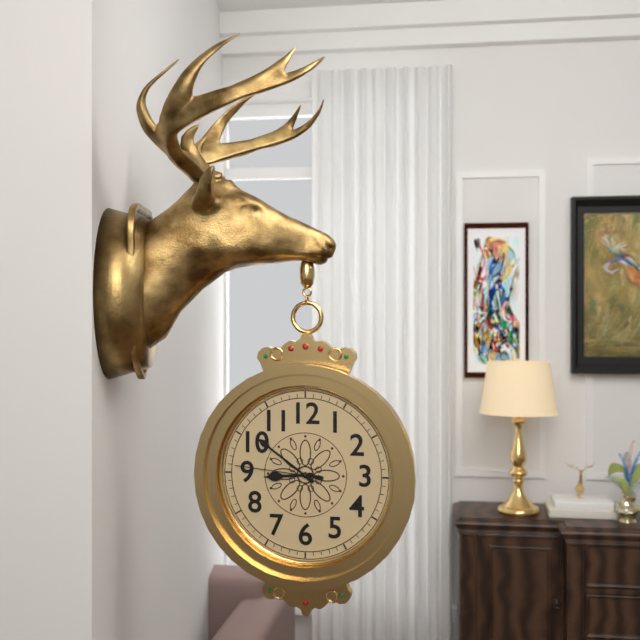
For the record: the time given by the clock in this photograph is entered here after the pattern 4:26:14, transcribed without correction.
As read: 8:51:46
